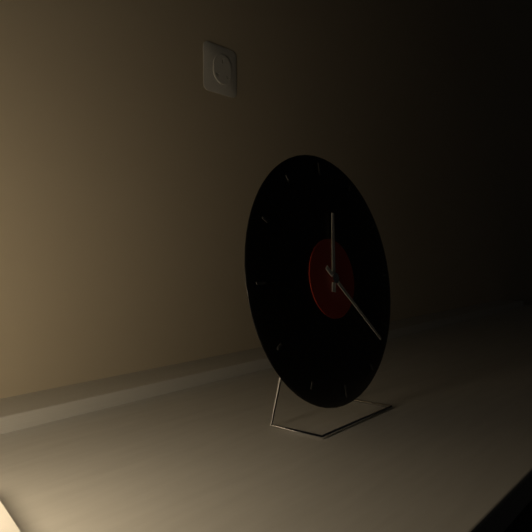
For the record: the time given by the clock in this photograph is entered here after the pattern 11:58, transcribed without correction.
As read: 12:22
